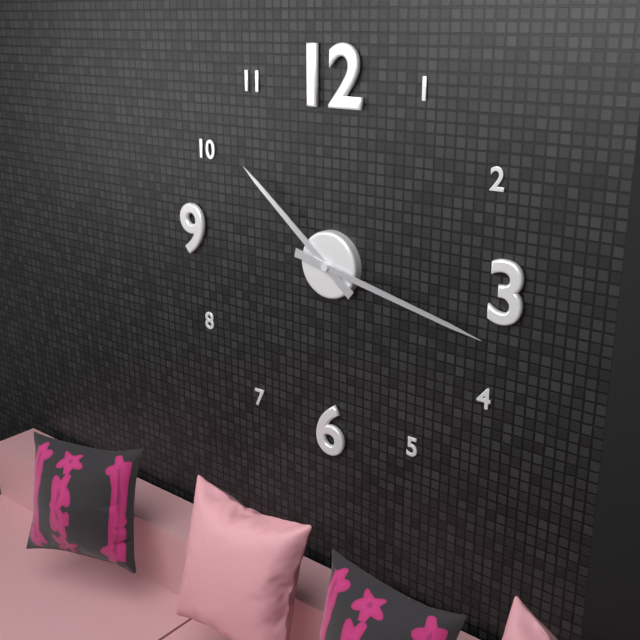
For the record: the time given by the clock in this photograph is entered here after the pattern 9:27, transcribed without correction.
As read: 10:17
